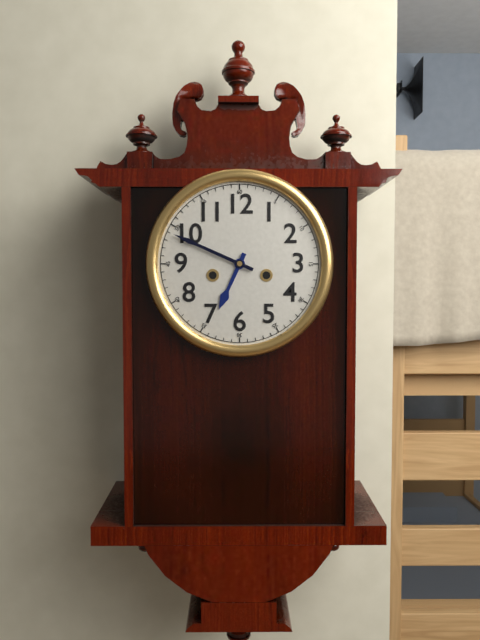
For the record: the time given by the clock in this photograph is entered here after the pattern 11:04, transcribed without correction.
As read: 6:49
